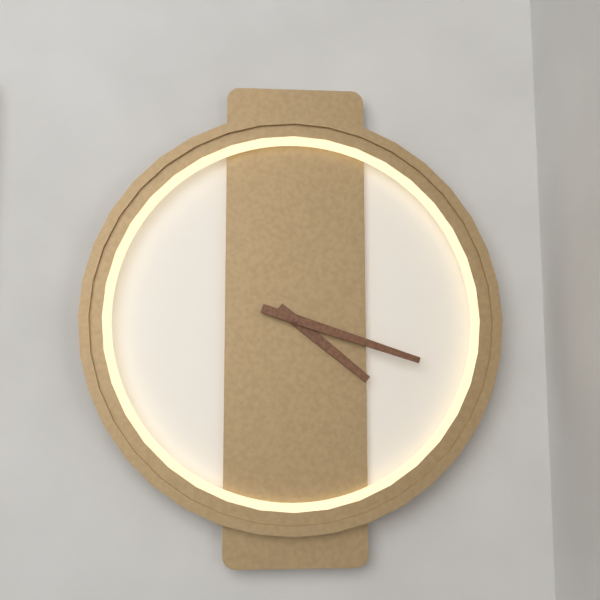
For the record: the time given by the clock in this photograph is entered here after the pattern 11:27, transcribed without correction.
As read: 4:18
